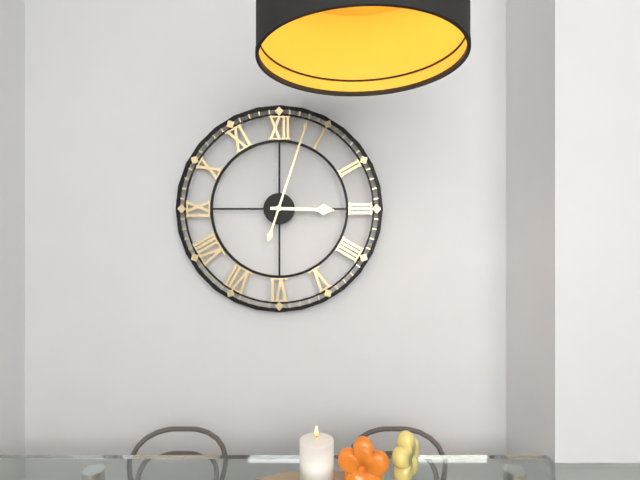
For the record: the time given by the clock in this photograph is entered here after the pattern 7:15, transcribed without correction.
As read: 3:03
